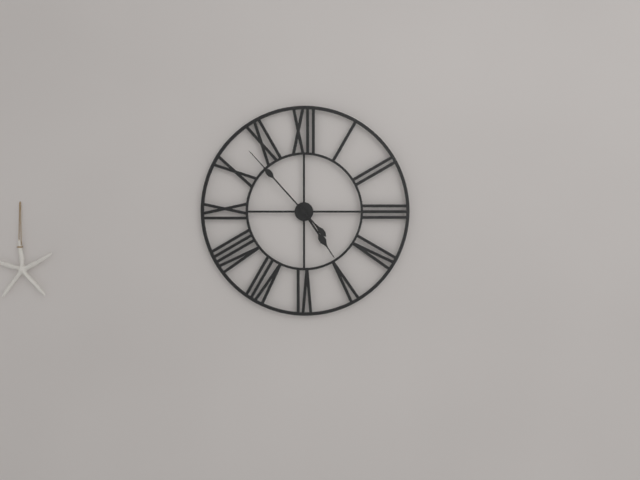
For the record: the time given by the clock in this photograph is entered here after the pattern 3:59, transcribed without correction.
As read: 4:53
